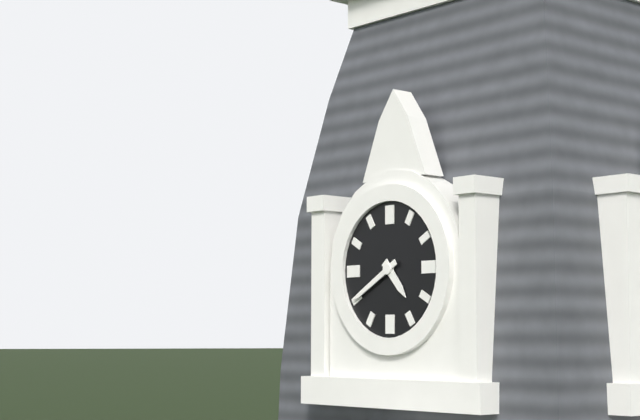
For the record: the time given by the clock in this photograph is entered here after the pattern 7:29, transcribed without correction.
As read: 4:40
